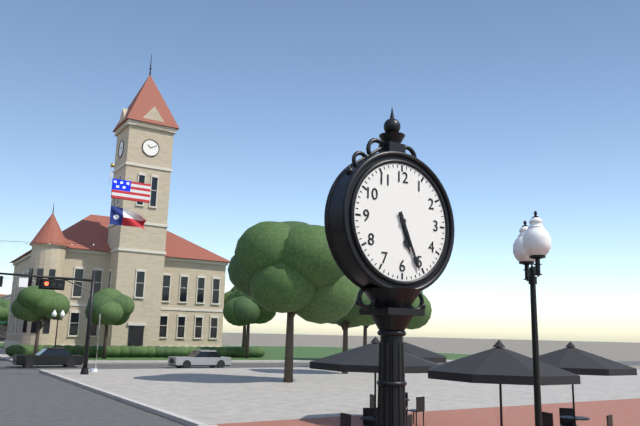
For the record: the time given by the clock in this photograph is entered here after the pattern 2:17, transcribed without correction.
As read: 5:26
